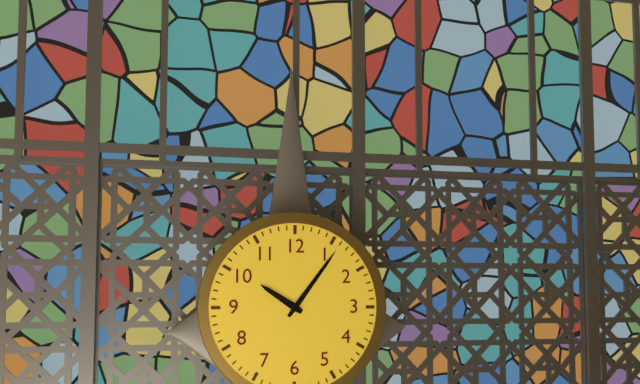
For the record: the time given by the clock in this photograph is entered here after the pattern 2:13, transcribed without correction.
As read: 10:06
